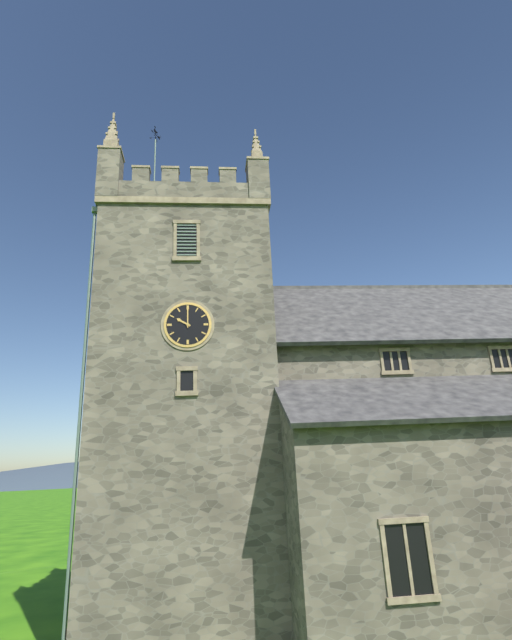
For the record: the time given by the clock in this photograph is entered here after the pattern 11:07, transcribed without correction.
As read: 10:00
